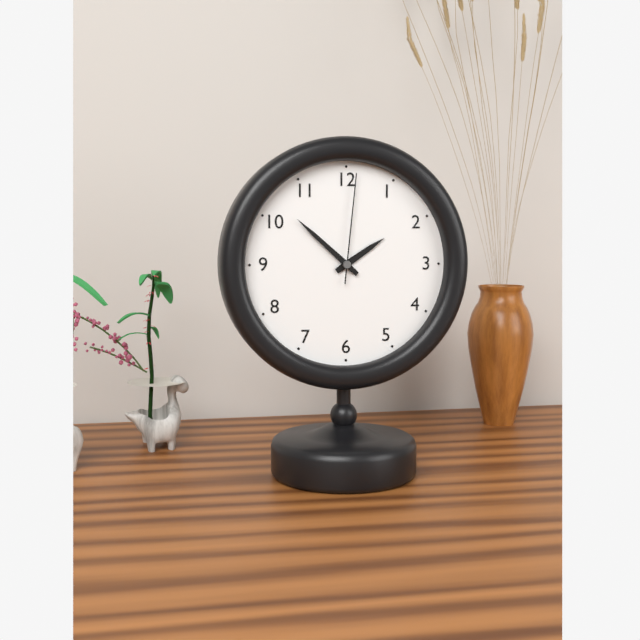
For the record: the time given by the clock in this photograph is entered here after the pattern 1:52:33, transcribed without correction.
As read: 1:52:01
